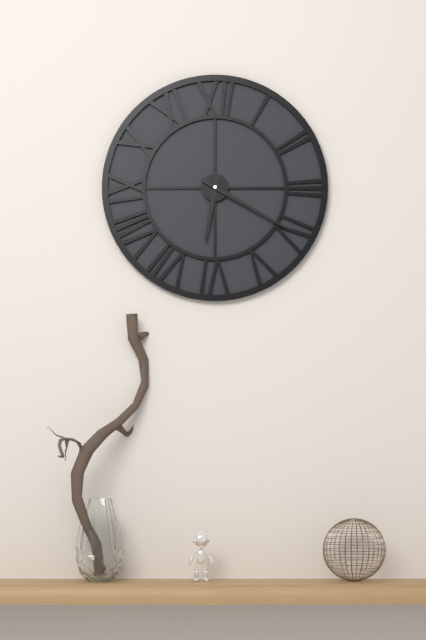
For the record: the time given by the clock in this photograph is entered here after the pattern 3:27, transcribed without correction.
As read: 6:20
